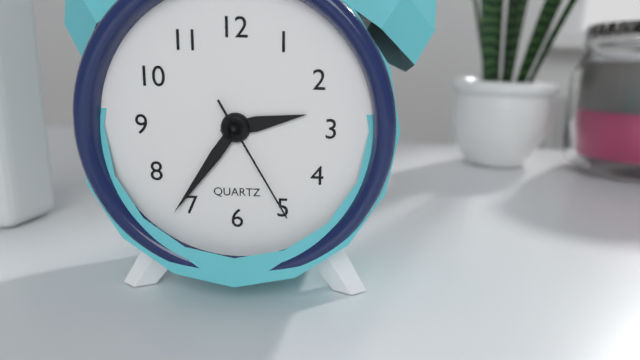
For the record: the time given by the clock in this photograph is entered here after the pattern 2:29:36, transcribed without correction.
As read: 2:36:25
